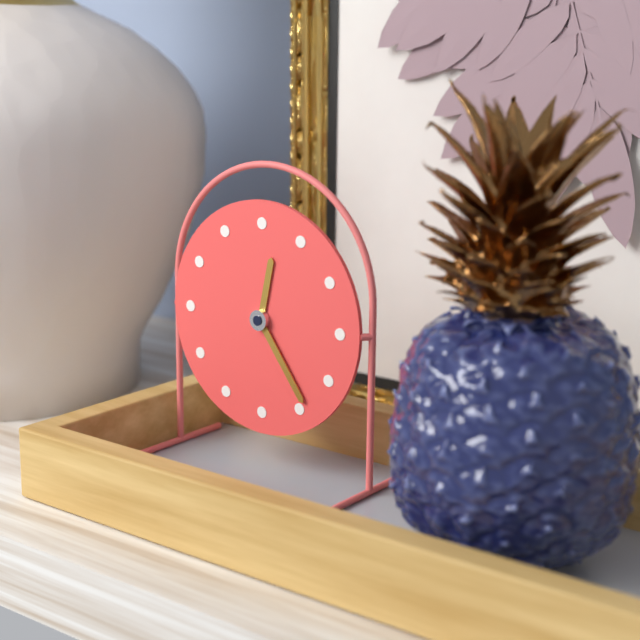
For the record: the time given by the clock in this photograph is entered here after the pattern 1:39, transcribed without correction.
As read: 12:24
